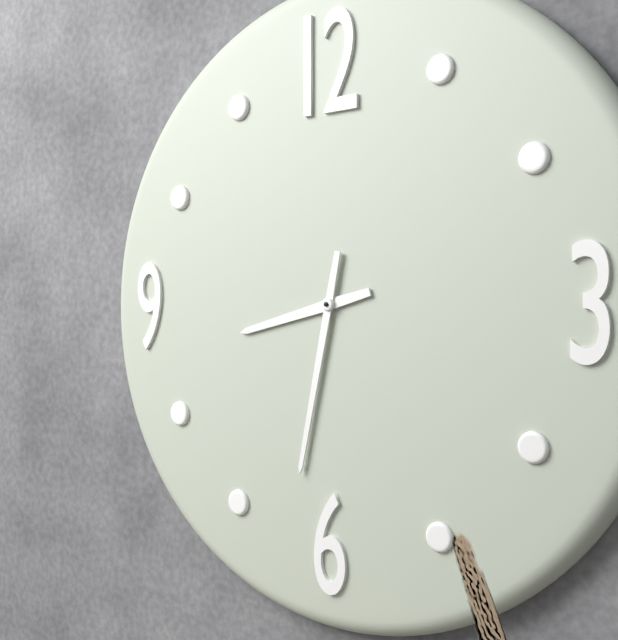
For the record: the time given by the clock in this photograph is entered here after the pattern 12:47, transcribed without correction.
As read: 8:32
